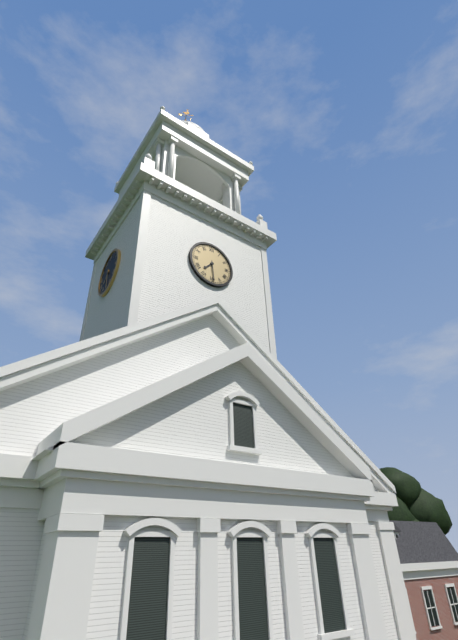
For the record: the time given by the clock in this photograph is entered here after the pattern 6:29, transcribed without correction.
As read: 7:29
